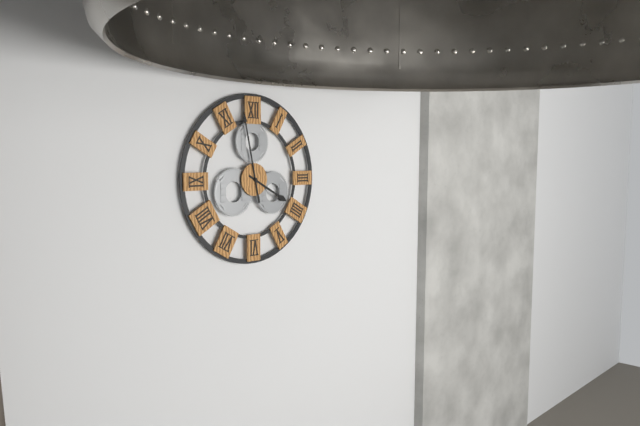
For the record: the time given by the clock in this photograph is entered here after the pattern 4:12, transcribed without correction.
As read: 3:58
